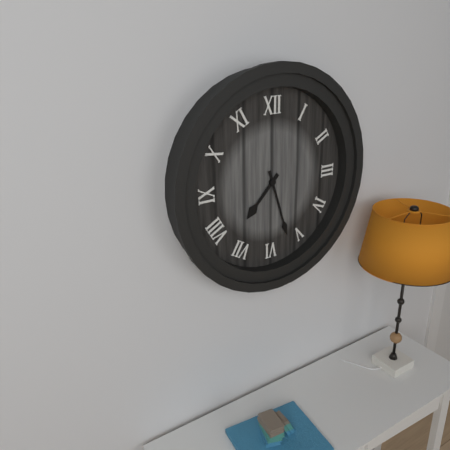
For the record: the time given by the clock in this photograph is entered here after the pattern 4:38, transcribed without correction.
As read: 7:27
